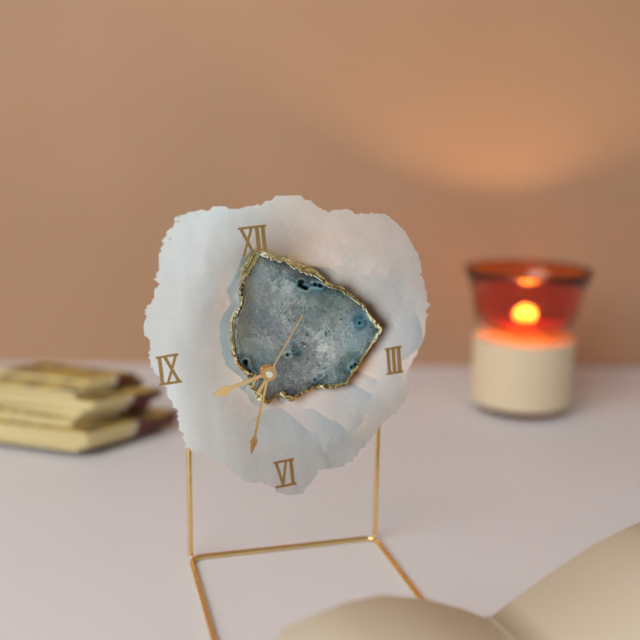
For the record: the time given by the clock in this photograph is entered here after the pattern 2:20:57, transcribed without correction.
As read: 8:33:06
